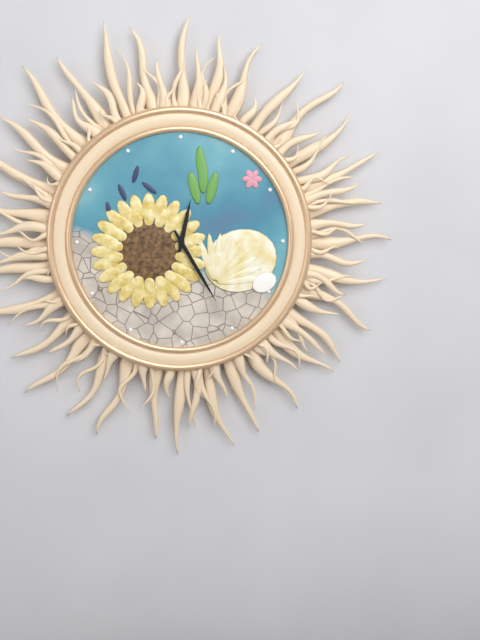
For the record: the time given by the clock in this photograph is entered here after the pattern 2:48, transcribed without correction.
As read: 12:25
